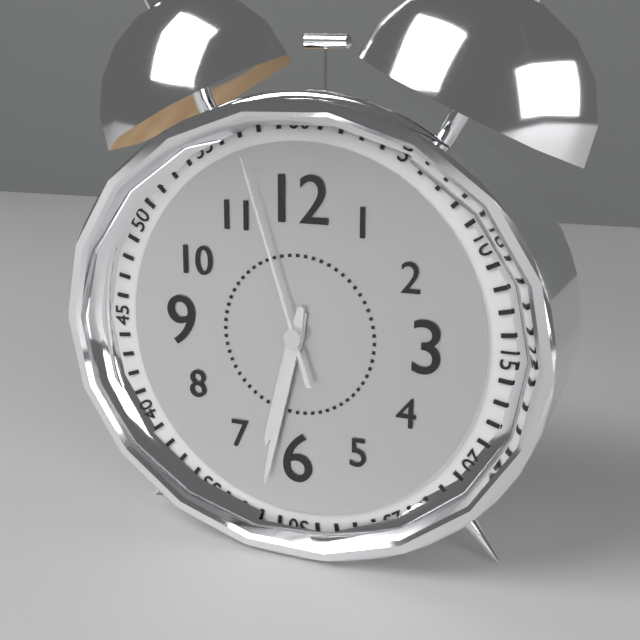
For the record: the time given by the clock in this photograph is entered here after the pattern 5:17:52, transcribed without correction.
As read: 6:32:57
